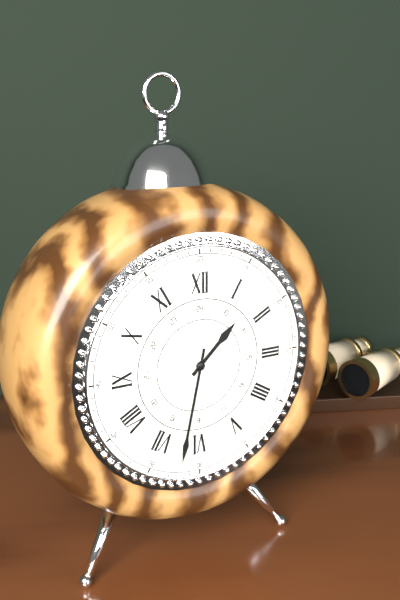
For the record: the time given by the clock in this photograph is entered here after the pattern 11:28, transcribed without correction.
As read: 1:32
